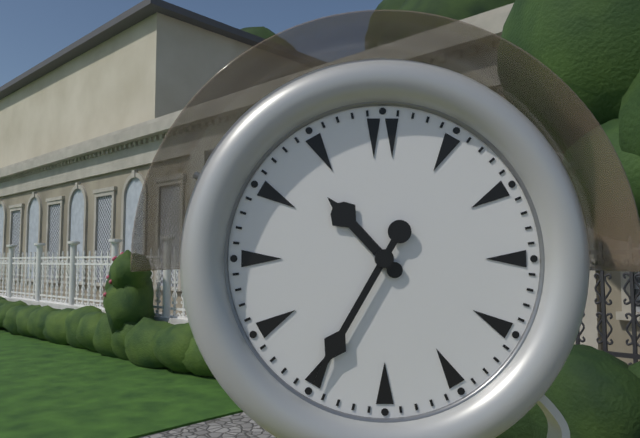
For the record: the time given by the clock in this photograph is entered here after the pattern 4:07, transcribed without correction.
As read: 10:35
